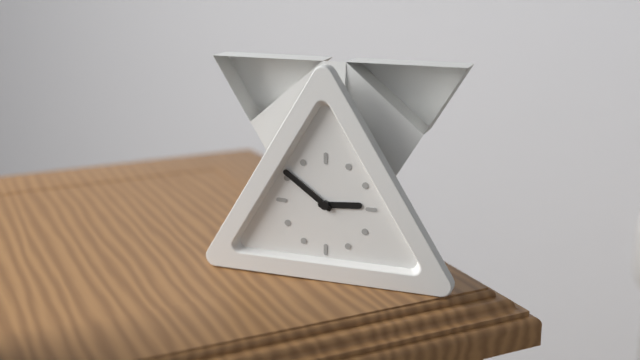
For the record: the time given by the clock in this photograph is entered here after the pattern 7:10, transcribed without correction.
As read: 2:51
